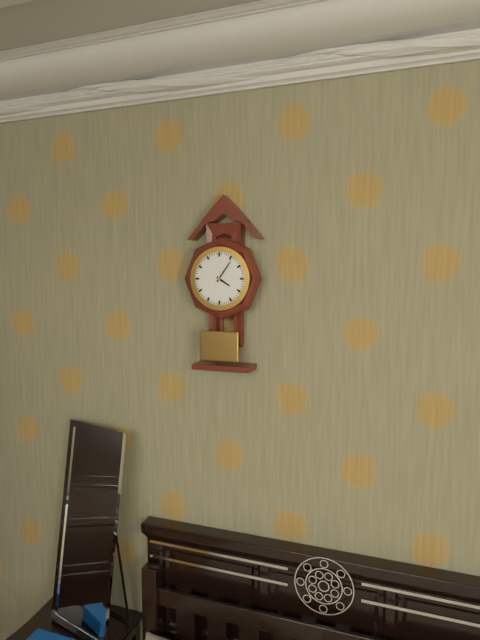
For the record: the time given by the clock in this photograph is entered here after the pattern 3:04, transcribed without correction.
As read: 4:06
